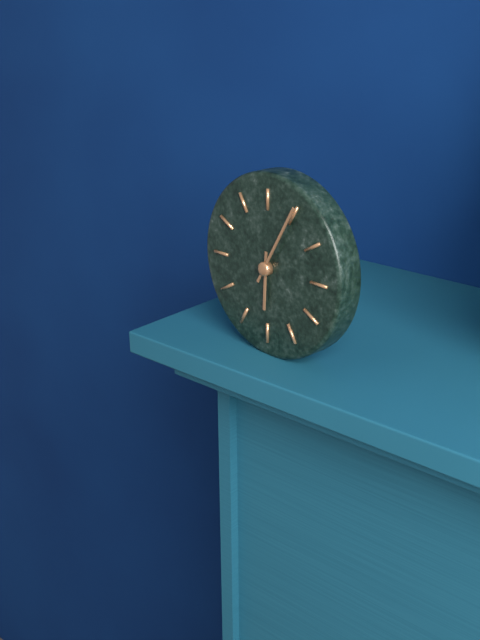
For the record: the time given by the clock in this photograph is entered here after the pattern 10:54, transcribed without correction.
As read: 6:05
